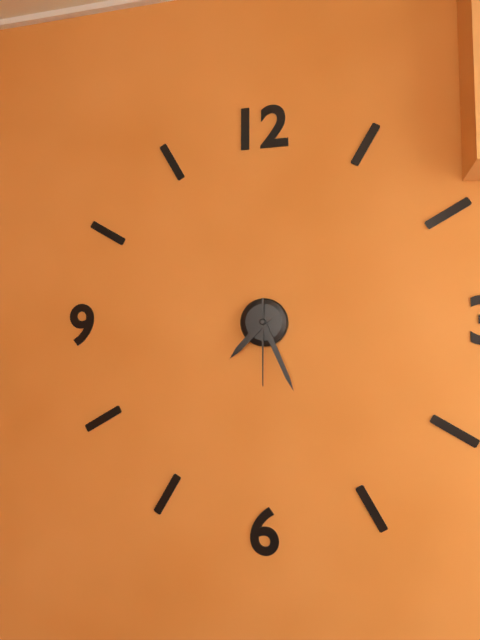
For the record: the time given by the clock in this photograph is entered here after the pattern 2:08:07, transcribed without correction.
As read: 7:26:30
